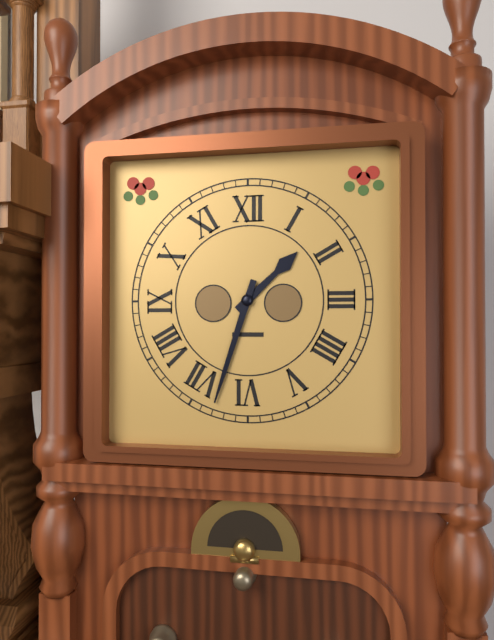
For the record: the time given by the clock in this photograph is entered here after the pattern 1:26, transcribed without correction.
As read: 1:33
